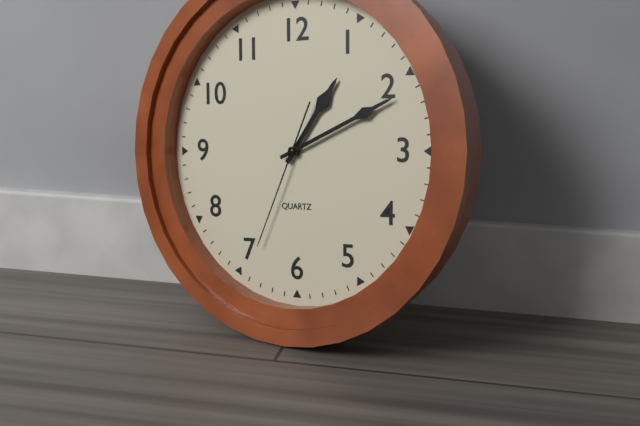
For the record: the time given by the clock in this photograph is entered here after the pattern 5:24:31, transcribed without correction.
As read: 1:11:34
